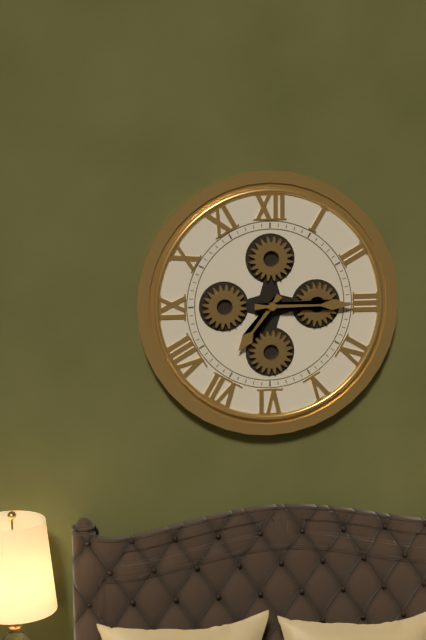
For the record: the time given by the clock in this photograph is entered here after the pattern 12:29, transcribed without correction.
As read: 7:15
